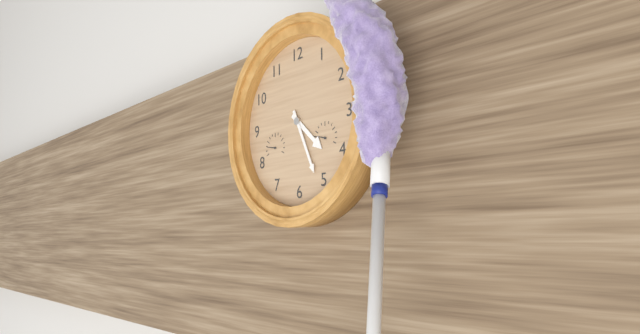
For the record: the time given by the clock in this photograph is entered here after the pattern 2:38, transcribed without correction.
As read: 4:26
